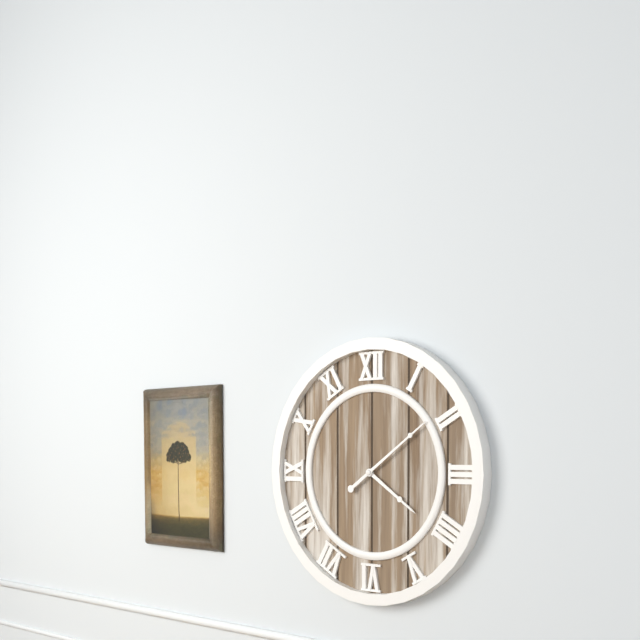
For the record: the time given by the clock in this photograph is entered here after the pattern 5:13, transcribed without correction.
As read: 4:09
